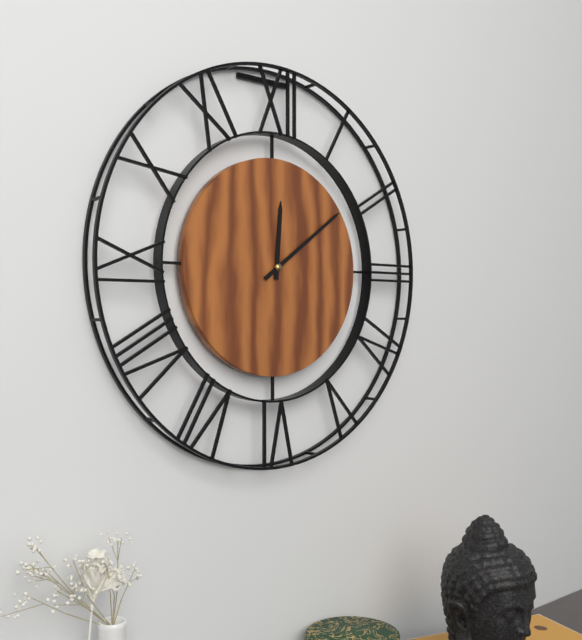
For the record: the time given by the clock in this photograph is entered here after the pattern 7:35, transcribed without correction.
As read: 12:09
